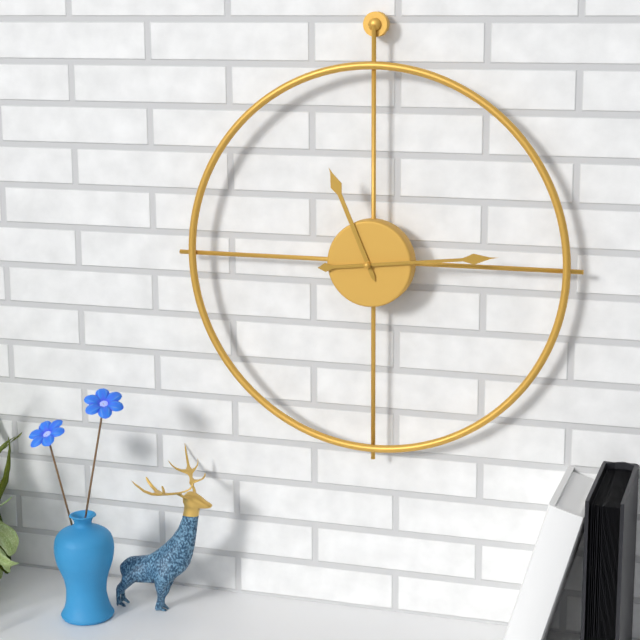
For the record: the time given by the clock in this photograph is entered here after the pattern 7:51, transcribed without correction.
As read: 11:14
